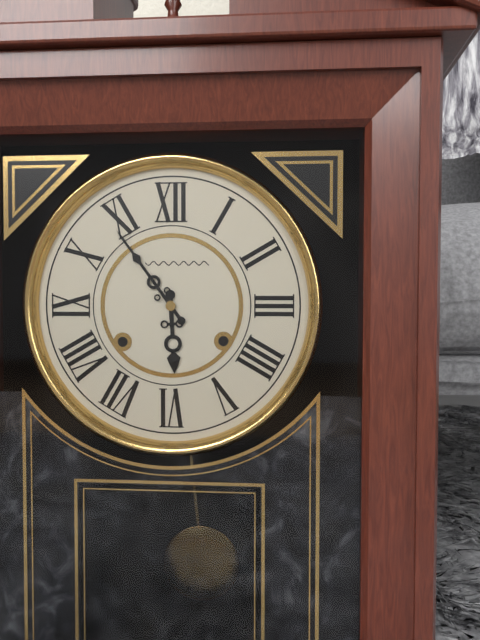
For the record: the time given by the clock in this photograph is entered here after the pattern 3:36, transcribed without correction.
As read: 5:54
